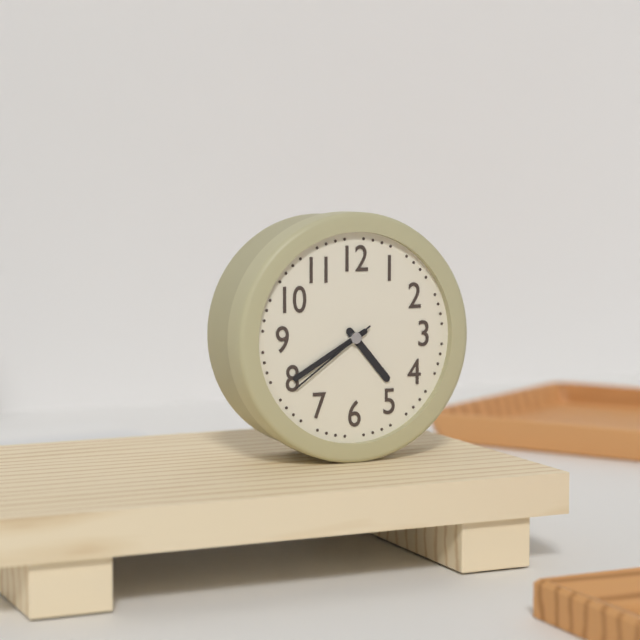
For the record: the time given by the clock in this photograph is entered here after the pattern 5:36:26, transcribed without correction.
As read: 4:40:39
